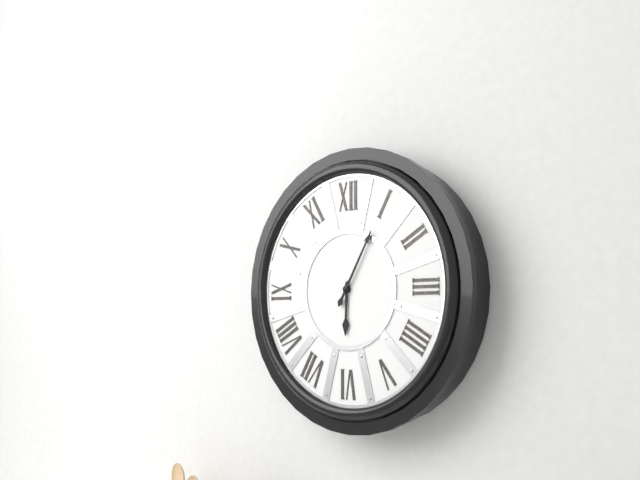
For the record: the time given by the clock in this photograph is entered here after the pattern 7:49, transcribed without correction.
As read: 6:05
